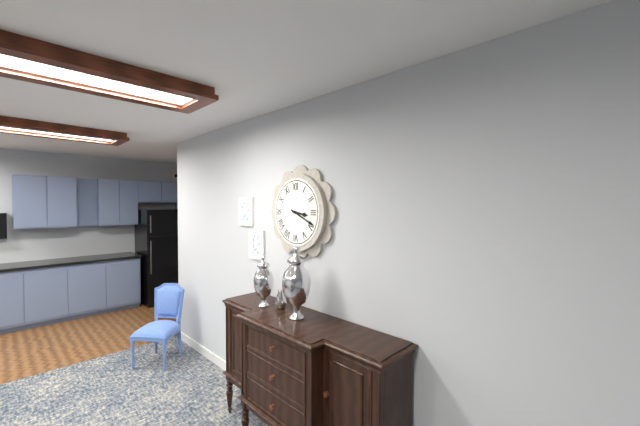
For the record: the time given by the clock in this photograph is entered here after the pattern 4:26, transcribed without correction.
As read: 3:19
